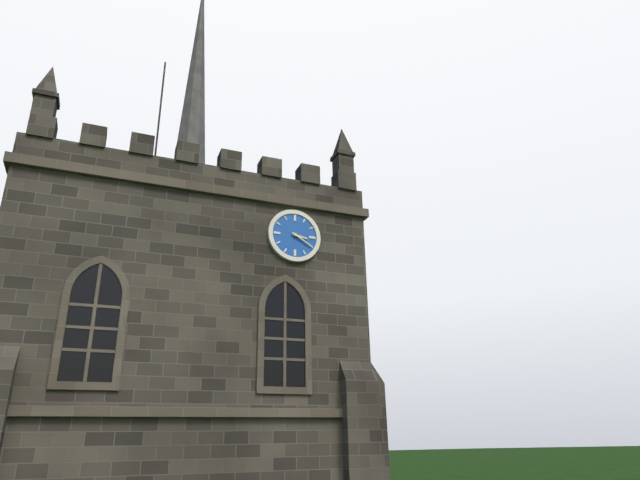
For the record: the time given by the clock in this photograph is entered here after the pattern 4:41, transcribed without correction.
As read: 3:20
